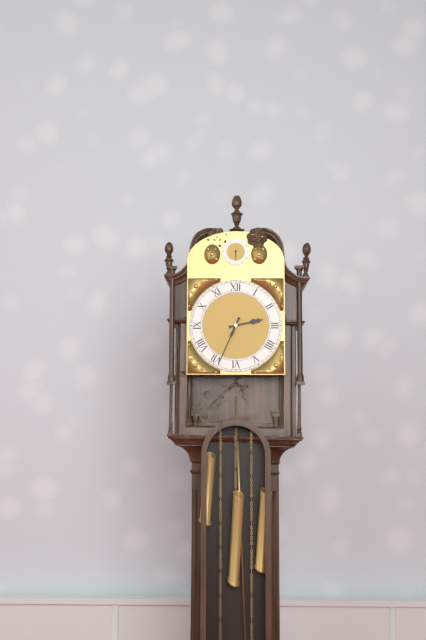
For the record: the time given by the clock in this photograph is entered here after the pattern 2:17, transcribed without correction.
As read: 2:34
